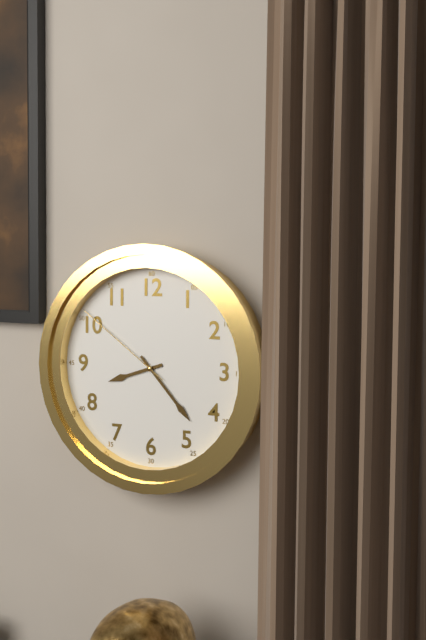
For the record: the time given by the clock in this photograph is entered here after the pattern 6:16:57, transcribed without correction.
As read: 8:23:51
